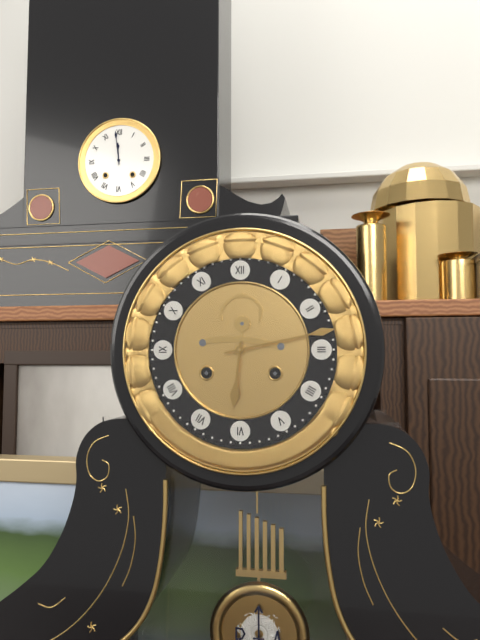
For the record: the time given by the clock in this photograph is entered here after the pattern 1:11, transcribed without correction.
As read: 6:13
